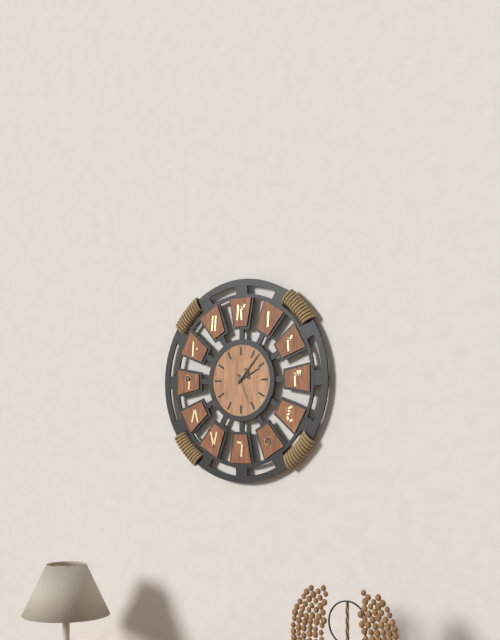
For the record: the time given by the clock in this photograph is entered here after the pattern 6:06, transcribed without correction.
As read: 2:07
